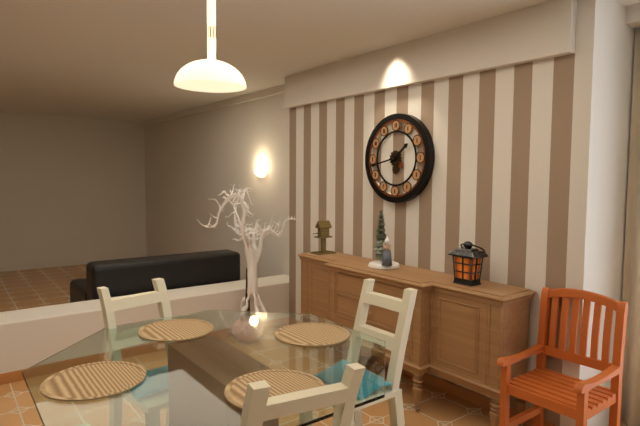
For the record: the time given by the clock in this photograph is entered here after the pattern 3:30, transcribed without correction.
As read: 1:43
